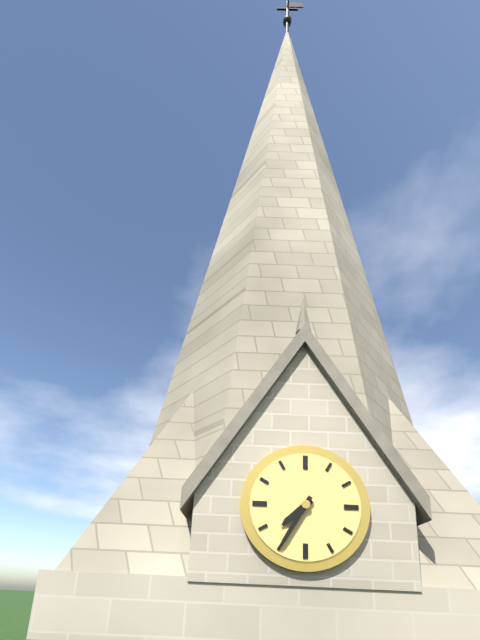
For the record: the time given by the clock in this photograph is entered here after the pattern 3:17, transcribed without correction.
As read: 7:35
